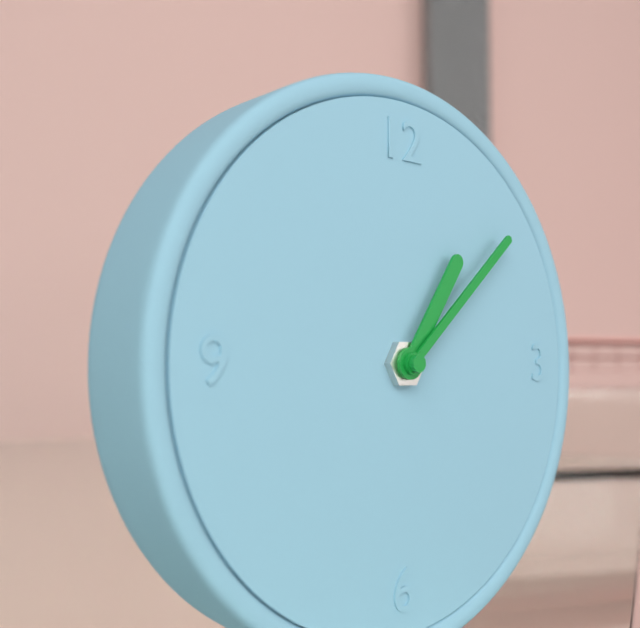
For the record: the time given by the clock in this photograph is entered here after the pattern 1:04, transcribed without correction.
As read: 1:08
